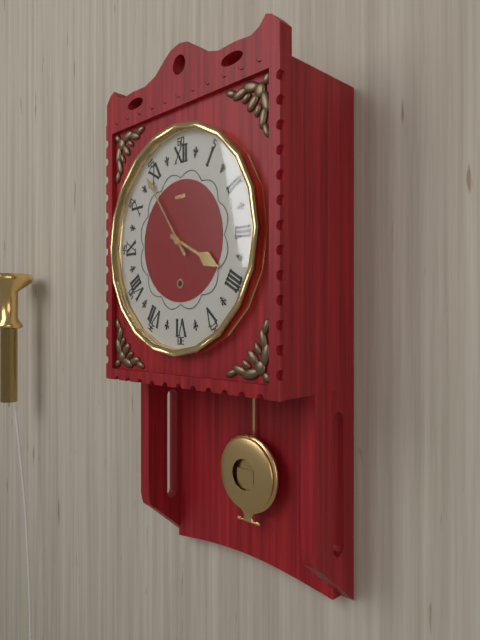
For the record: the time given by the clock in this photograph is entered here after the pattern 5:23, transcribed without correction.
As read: 3:54
